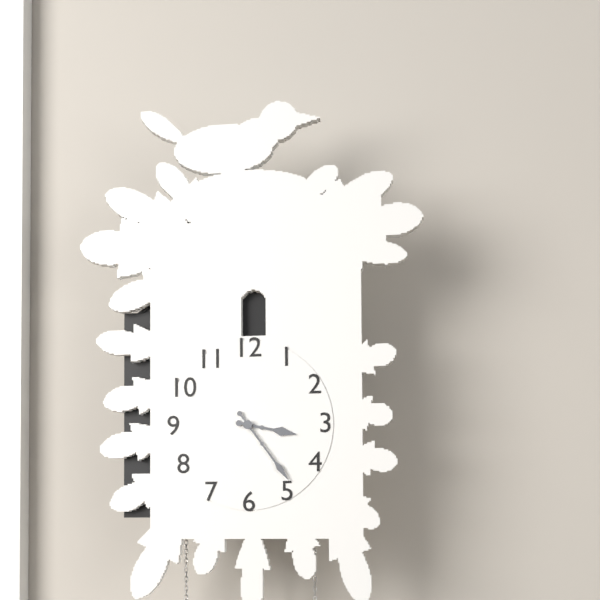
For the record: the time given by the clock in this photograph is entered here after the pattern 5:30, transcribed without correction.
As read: 3:24
